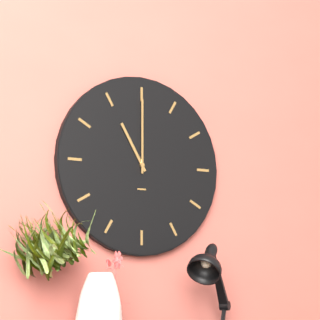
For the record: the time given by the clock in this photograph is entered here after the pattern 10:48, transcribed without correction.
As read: 11:00
